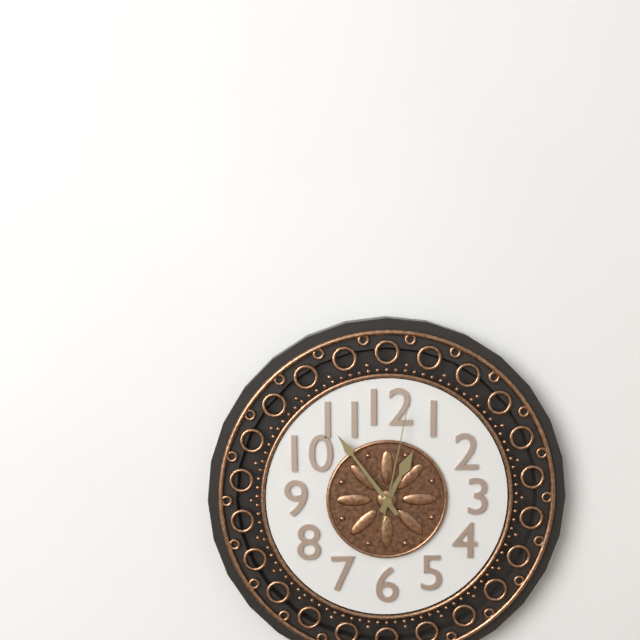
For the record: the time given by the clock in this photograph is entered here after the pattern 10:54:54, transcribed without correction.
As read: 12:54:02
